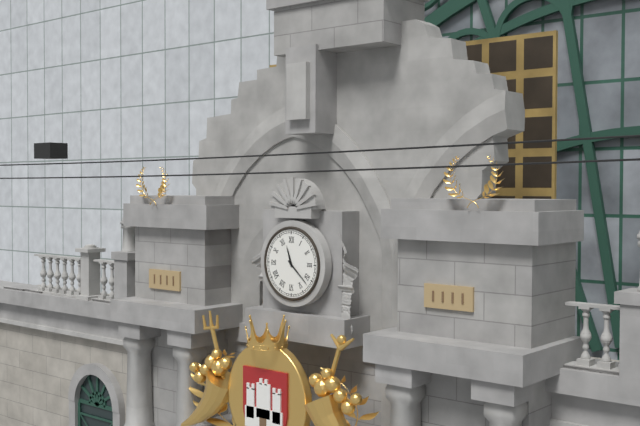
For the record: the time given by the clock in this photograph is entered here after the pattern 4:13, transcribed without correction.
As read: 11:22
